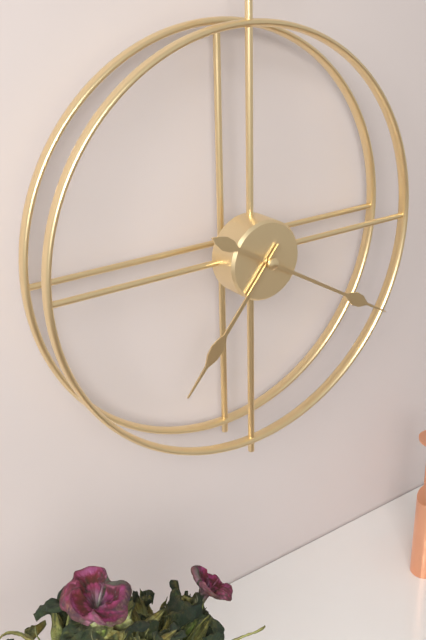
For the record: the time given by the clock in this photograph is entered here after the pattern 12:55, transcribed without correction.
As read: 7:20
